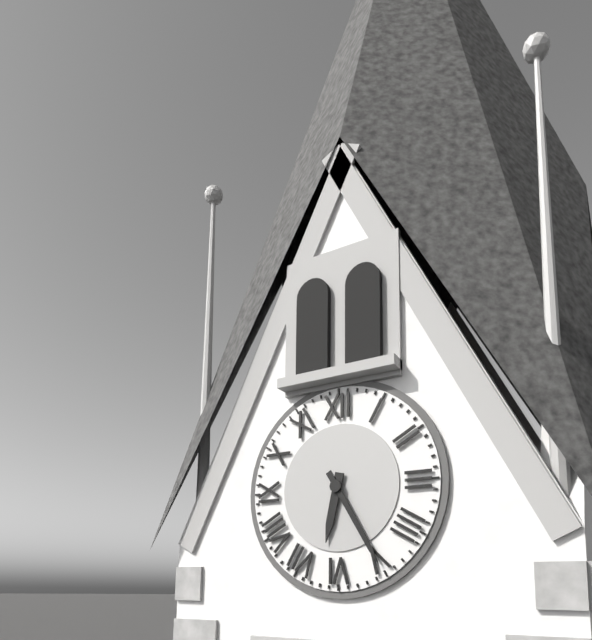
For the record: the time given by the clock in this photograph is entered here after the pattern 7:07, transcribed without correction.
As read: 6:25
